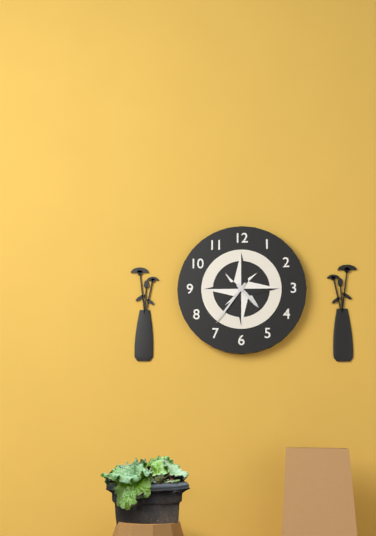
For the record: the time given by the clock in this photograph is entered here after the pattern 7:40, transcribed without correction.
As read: 4:36
